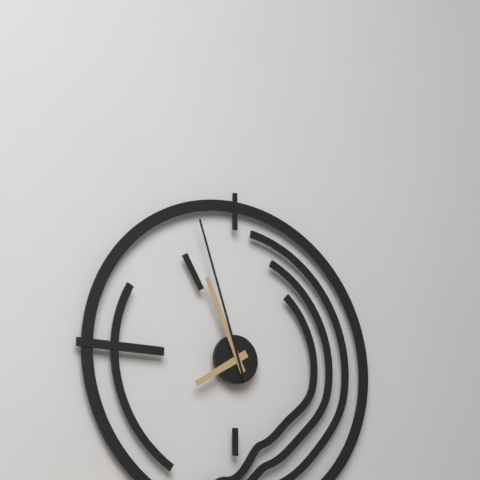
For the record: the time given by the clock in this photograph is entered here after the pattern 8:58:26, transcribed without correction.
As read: 7:56:57
